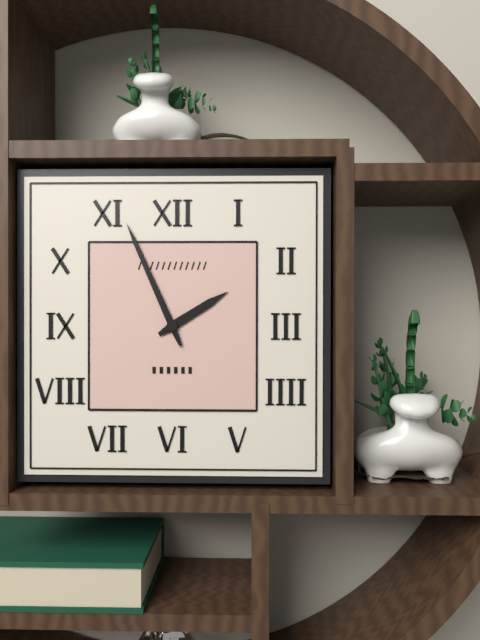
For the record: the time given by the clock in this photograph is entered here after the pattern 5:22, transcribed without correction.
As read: 1:56
